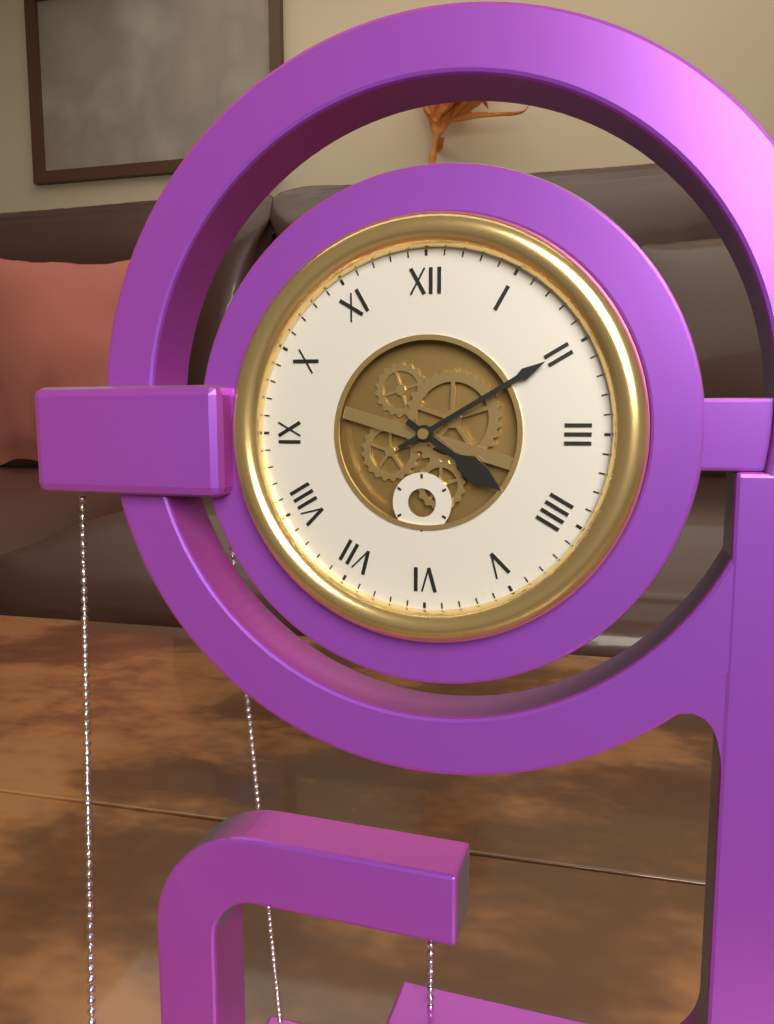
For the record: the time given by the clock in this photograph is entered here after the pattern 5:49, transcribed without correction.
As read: 4:10
